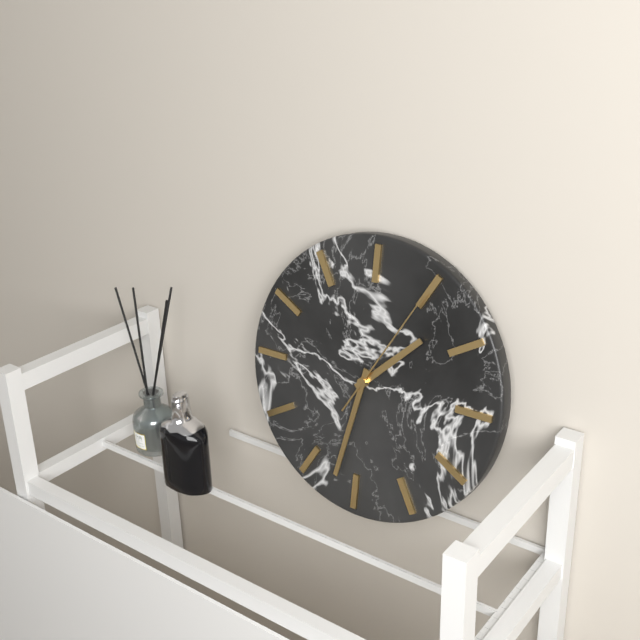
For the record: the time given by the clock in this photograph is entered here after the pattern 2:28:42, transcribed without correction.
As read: 1:32:05
